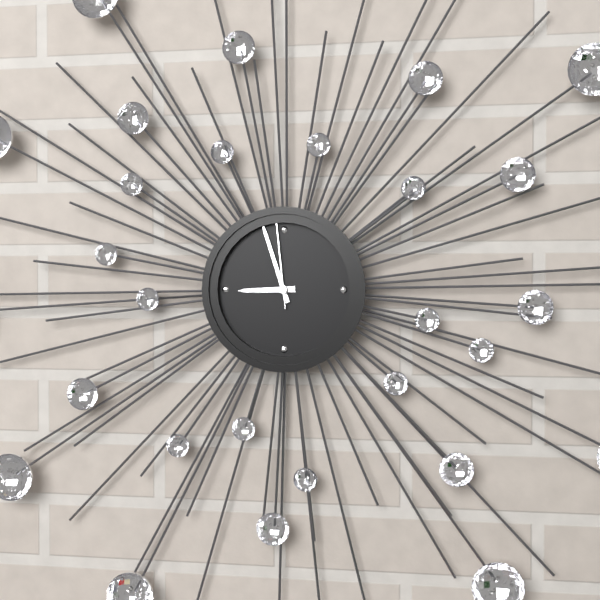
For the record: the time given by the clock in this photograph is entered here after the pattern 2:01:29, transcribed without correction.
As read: 8:57:59
